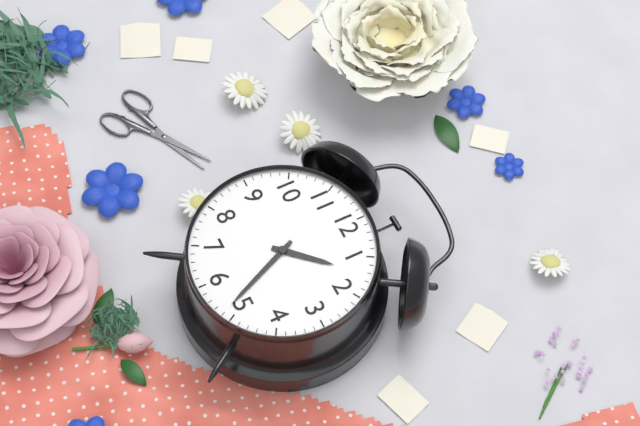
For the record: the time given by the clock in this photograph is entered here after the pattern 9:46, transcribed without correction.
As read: 1:26
